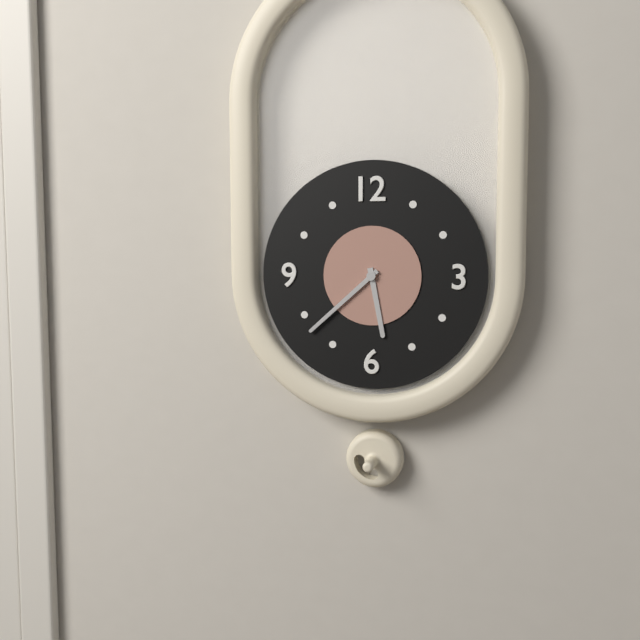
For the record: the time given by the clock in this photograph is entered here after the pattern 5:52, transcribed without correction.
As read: 5:38
